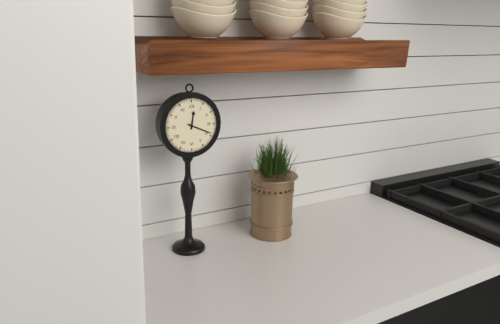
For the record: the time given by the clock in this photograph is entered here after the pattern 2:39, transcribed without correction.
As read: 12:19
